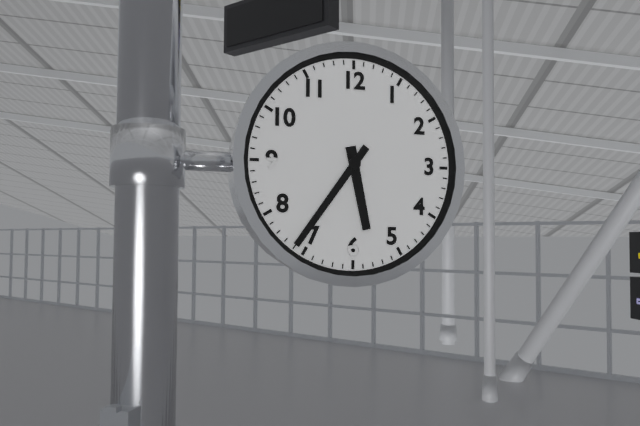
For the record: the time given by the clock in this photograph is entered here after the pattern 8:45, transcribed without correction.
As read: 5:36
